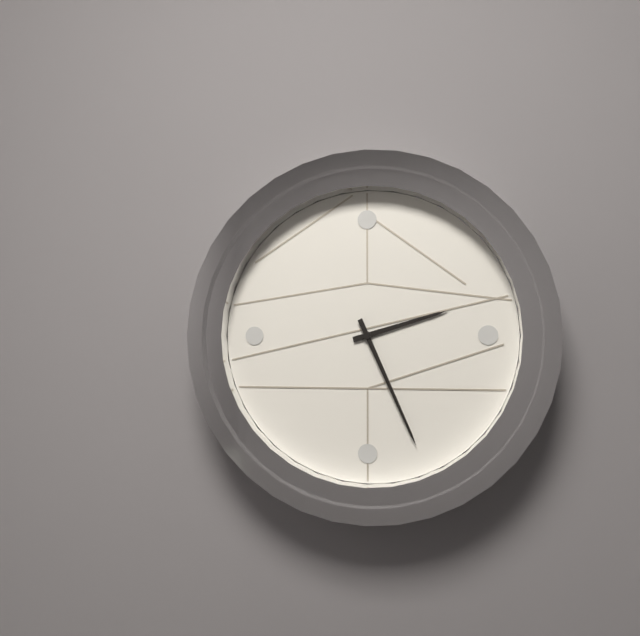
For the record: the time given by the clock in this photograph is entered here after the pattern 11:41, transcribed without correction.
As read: 2:26
